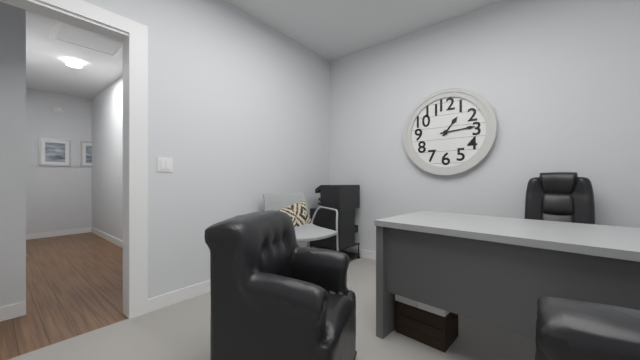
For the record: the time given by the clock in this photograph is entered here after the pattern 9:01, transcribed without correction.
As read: 1:14
